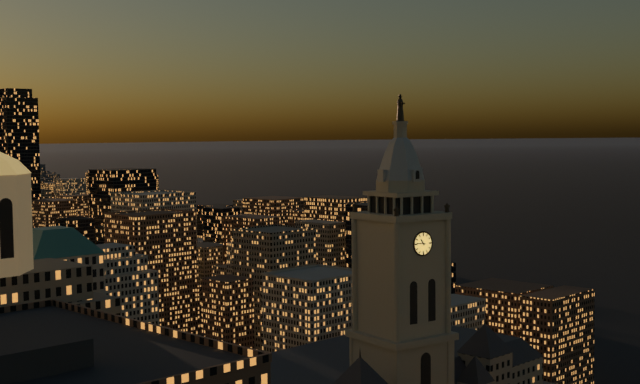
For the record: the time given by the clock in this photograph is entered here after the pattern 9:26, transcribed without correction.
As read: 10:46
